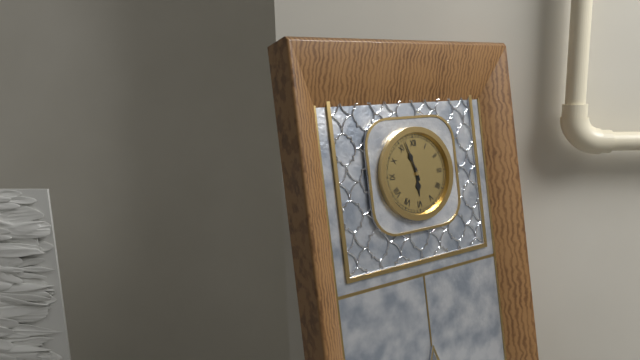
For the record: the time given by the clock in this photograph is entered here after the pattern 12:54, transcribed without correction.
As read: 5:57
